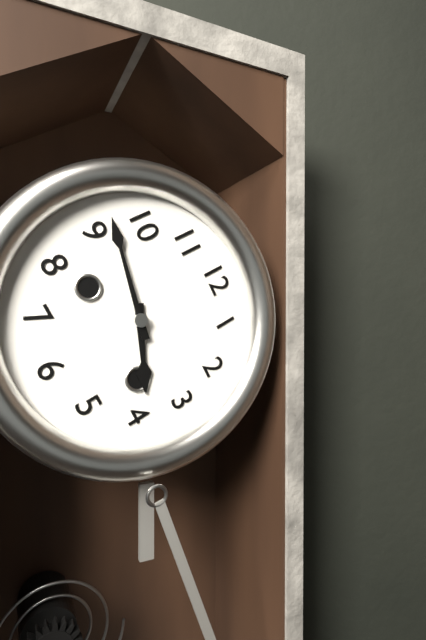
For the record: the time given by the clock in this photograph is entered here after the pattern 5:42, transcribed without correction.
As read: 3:47
